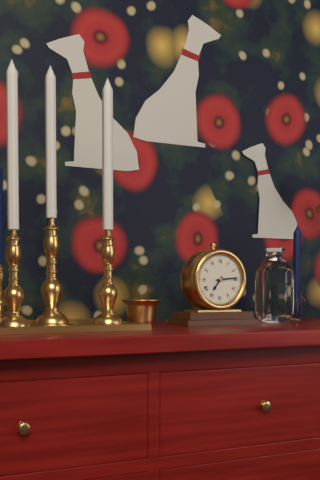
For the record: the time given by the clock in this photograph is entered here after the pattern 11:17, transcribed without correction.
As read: 7:14
